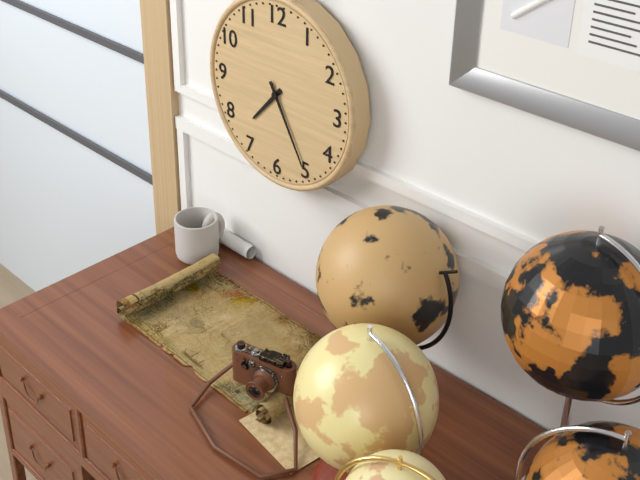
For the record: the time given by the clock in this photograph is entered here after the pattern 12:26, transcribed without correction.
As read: 7:25
